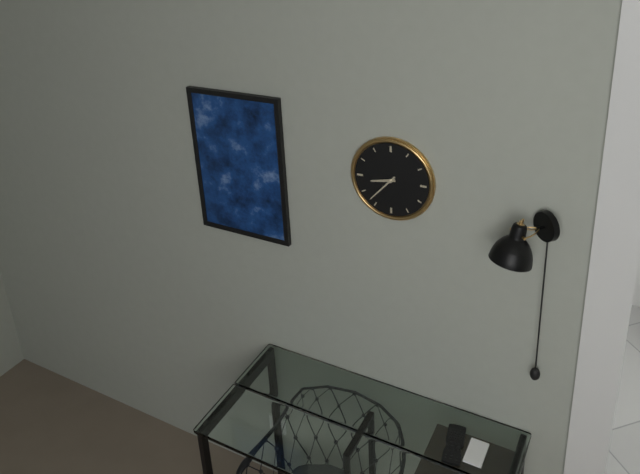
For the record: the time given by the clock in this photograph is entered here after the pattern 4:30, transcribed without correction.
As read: 8:37
